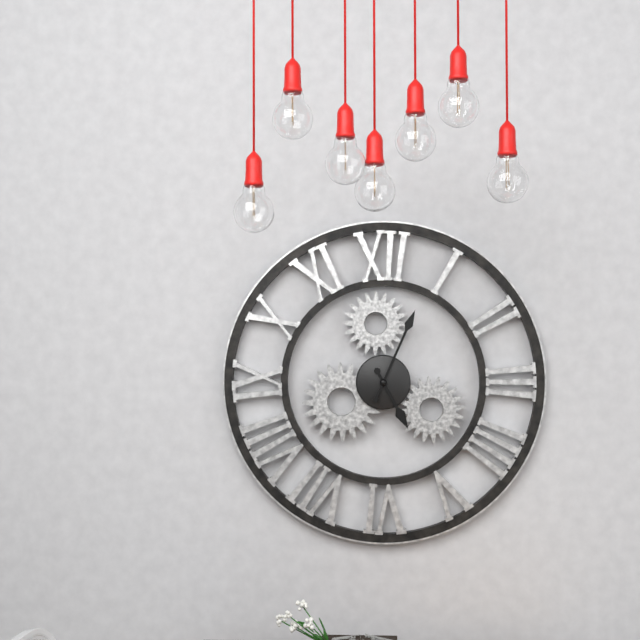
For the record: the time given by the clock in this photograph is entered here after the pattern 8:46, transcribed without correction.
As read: 5:04
